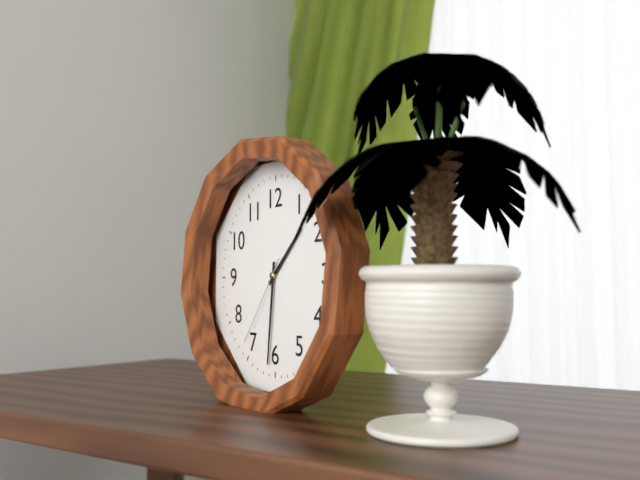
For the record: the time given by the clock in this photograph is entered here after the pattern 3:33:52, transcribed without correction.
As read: 1:31:36
